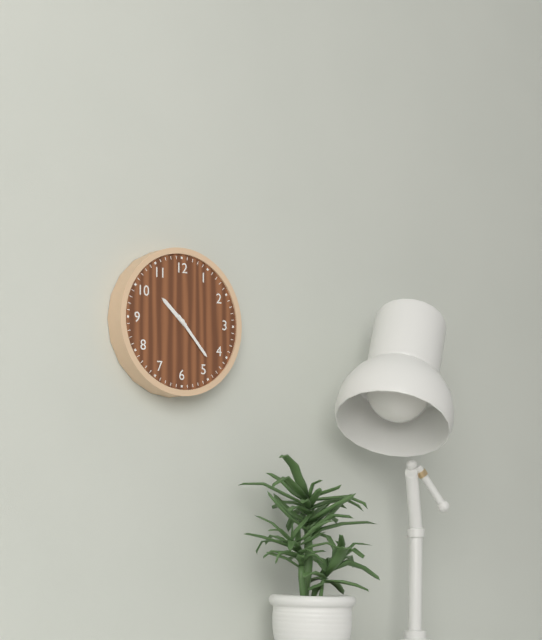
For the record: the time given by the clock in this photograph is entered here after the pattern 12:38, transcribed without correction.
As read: 10:23
